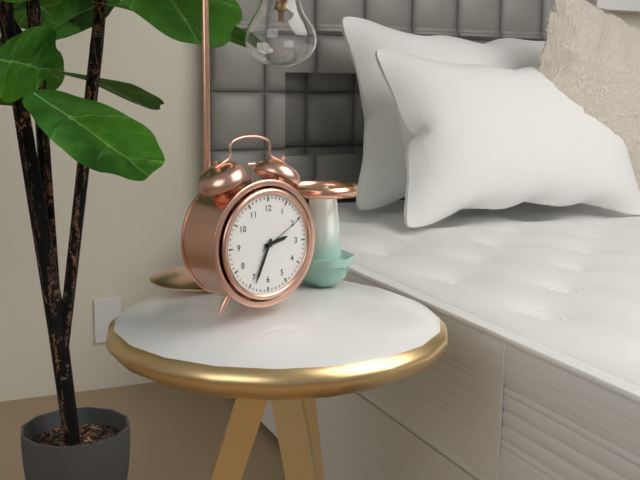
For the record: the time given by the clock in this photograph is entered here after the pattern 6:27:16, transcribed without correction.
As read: 2:34:10
